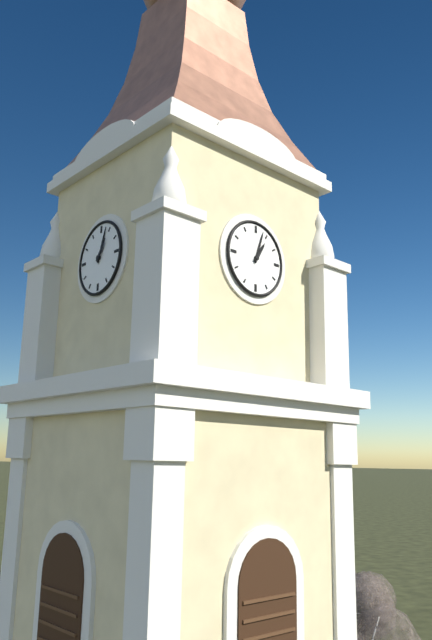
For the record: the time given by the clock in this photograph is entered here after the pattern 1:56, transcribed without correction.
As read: 1:03
